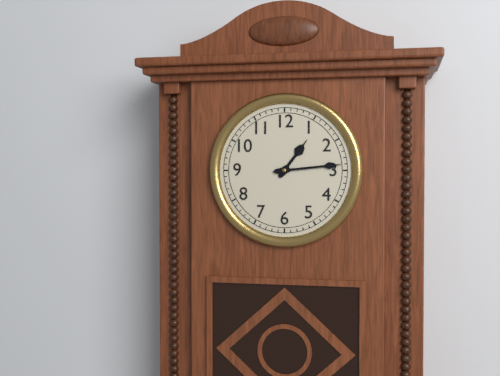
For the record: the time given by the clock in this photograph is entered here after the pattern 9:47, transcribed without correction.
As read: 1:14
